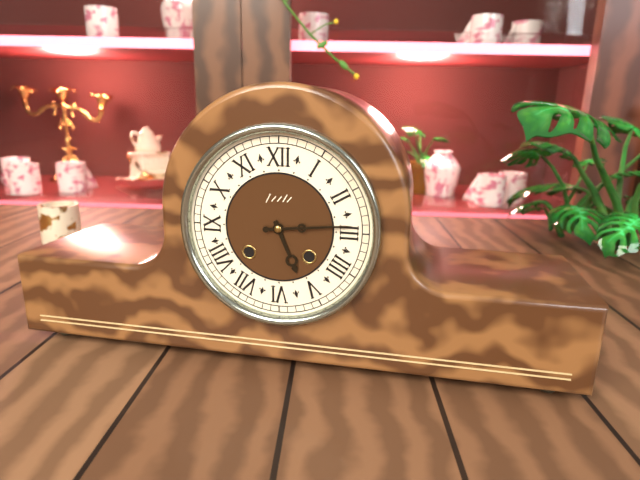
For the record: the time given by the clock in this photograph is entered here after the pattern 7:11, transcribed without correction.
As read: 5:14
